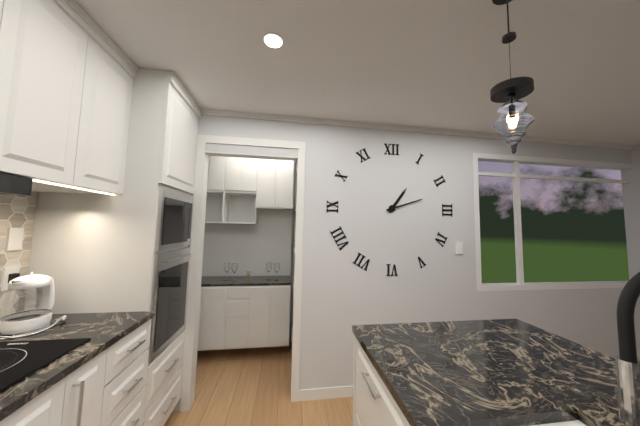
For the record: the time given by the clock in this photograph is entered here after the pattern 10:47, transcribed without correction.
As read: 1:12
